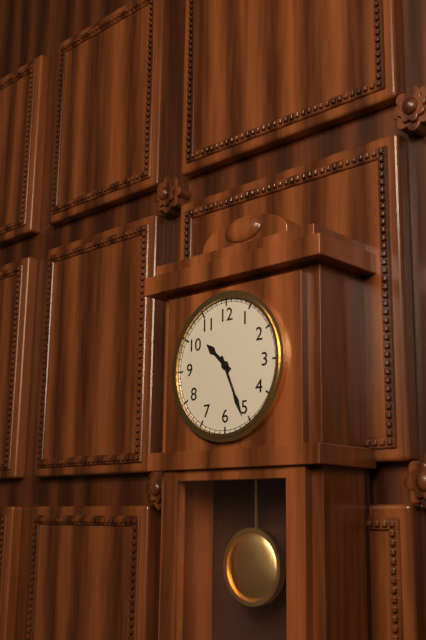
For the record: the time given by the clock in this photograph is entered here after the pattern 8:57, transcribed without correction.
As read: 10:26
